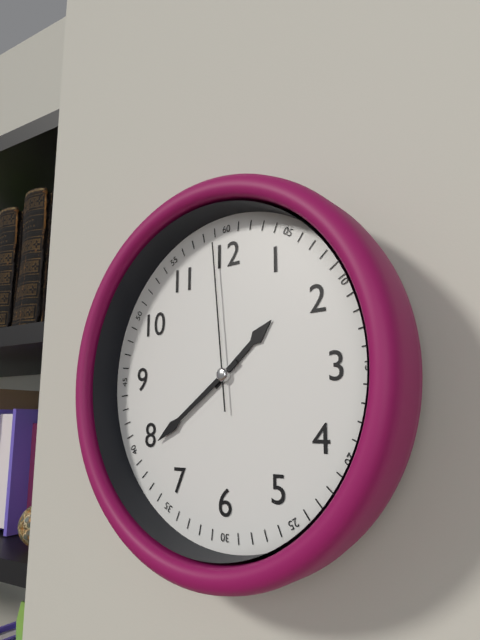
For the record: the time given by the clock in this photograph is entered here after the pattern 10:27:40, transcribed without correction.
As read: 1:39:59
